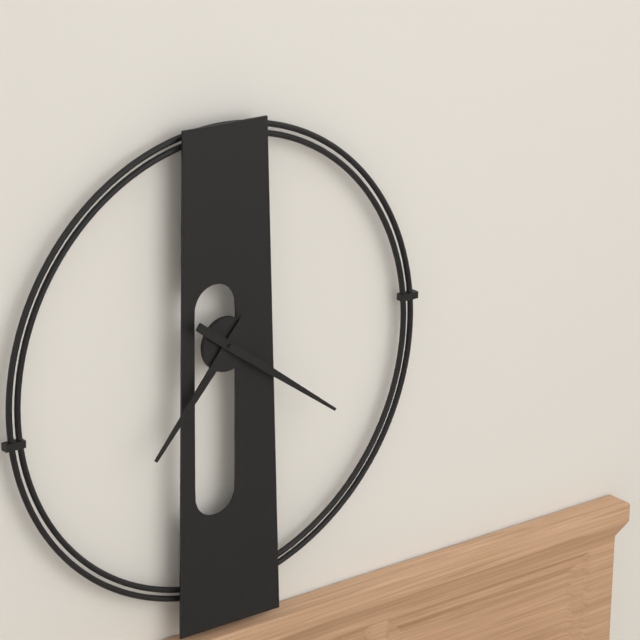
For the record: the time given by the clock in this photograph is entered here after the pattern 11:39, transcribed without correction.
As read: 7:21
